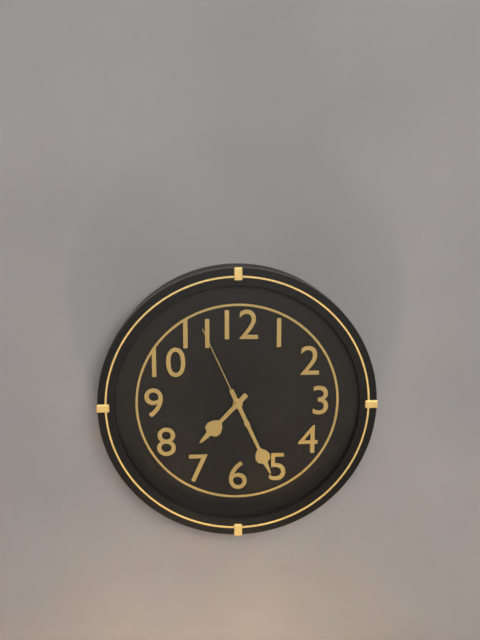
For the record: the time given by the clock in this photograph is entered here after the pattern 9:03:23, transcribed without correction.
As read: 7:26:56
